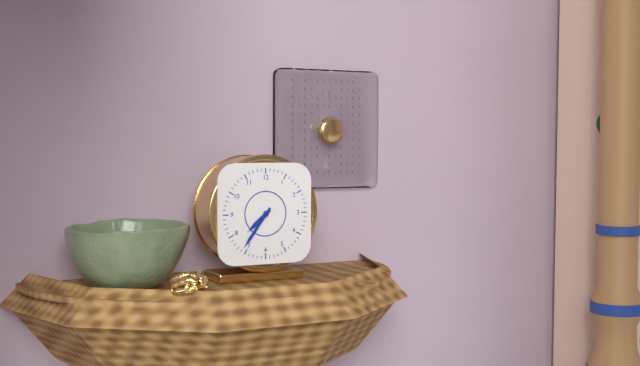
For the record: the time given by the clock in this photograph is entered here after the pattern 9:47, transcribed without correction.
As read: 7:36
